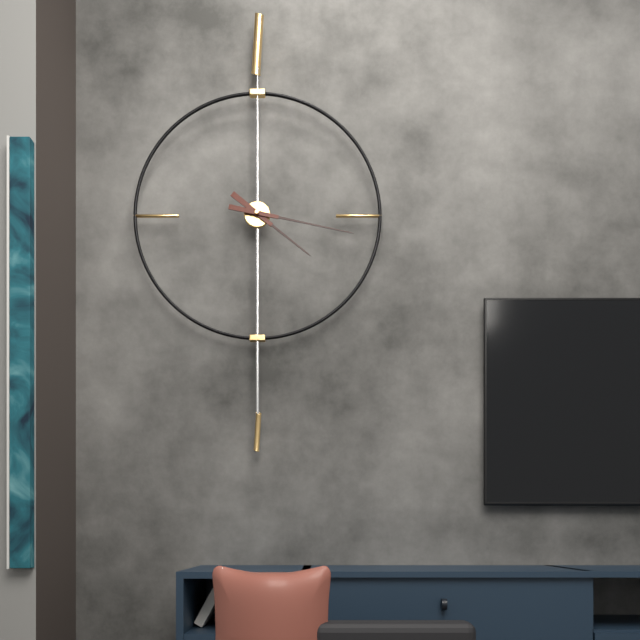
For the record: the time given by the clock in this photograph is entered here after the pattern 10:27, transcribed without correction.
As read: 4:17
